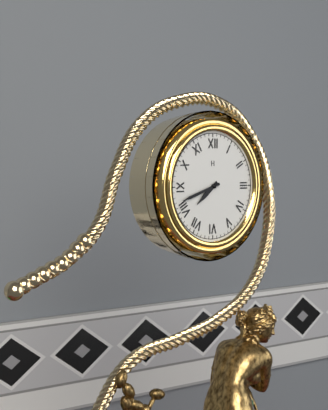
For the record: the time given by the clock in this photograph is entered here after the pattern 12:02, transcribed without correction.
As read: 7:42
